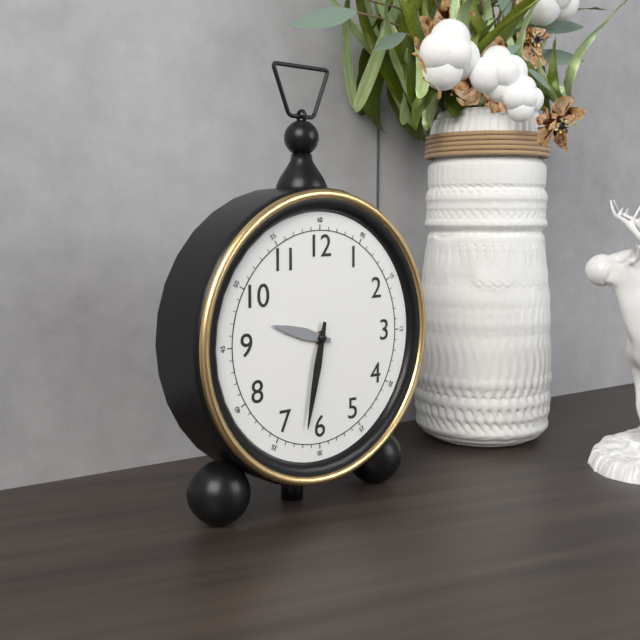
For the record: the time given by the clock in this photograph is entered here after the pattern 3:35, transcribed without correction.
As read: 9:32
